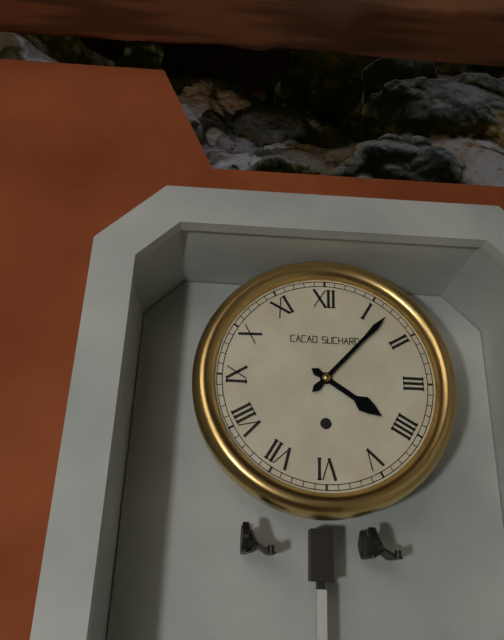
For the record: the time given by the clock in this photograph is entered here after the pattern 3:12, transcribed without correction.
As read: 4:07
